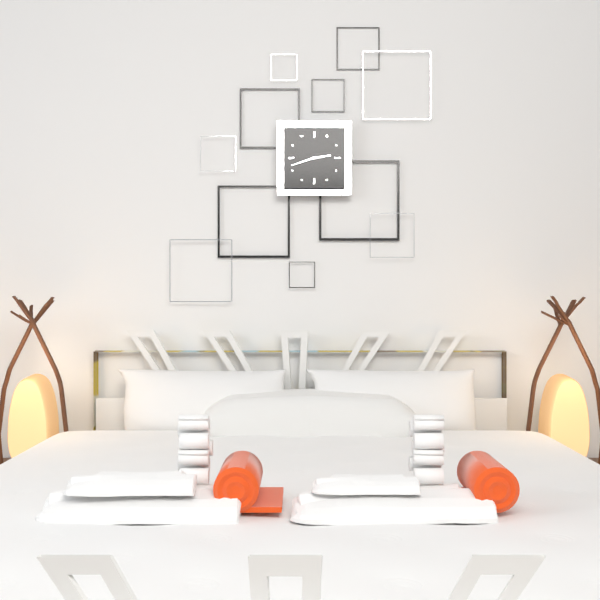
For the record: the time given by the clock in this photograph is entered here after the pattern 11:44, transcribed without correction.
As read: 2:42
